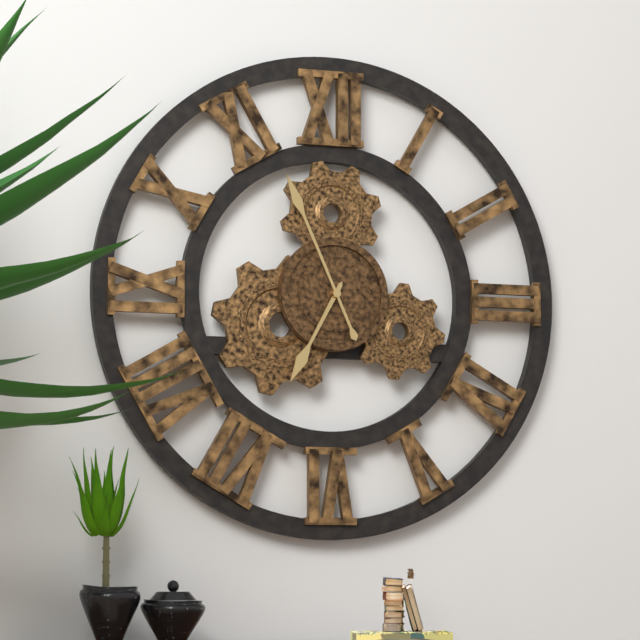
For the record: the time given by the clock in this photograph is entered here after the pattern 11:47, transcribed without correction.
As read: 6:56
